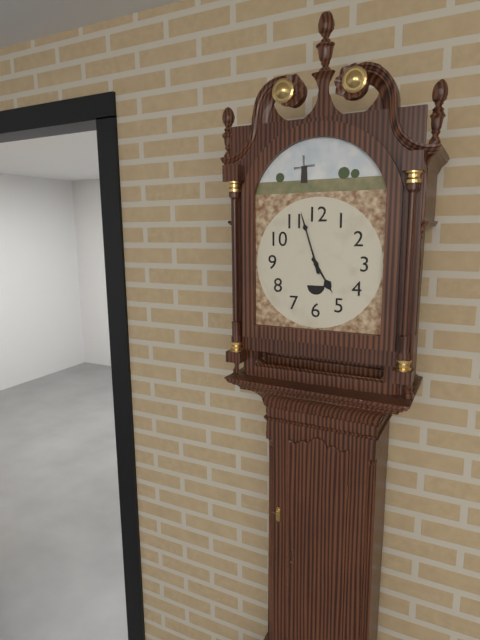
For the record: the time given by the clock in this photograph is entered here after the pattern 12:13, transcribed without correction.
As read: 4:57
